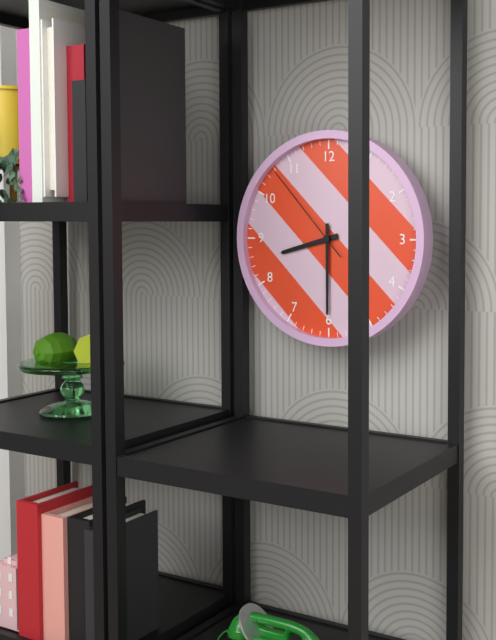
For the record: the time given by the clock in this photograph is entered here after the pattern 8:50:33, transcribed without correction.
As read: 8:30:53
